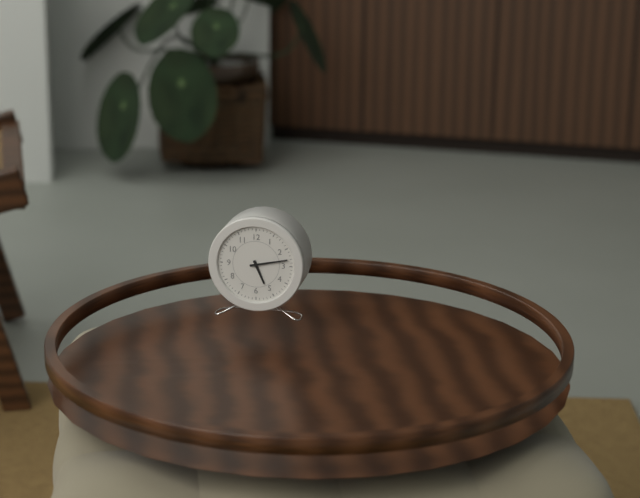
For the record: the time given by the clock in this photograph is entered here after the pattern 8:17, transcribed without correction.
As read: 5:13
